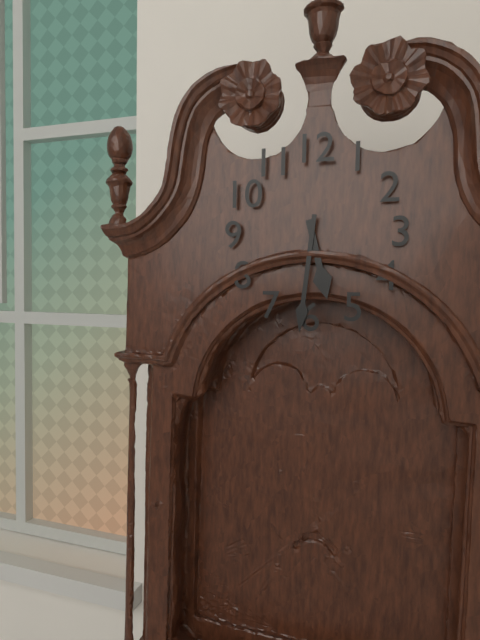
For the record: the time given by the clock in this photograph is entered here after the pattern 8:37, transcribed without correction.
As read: 5:31
